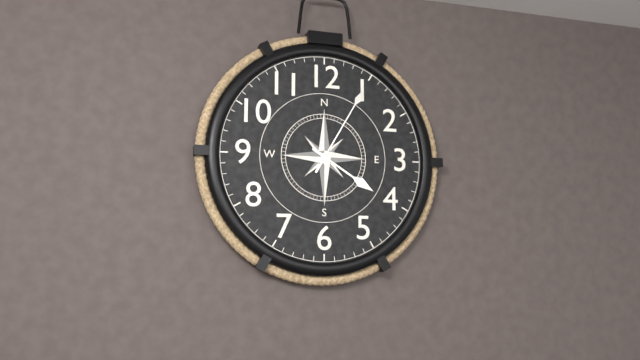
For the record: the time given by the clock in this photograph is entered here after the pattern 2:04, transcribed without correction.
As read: 4:05
